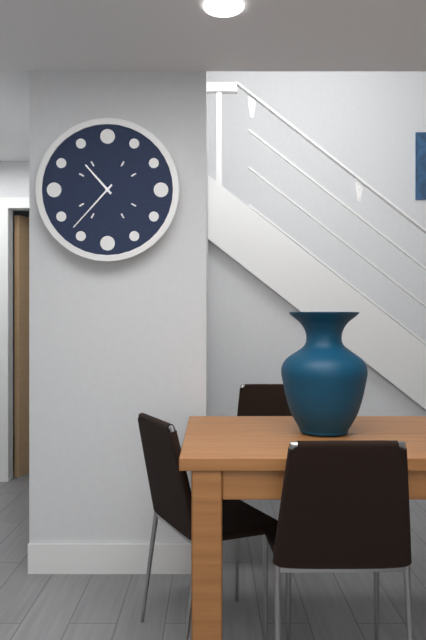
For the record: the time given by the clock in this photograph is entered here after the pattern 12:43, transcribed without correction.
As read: 10:37
